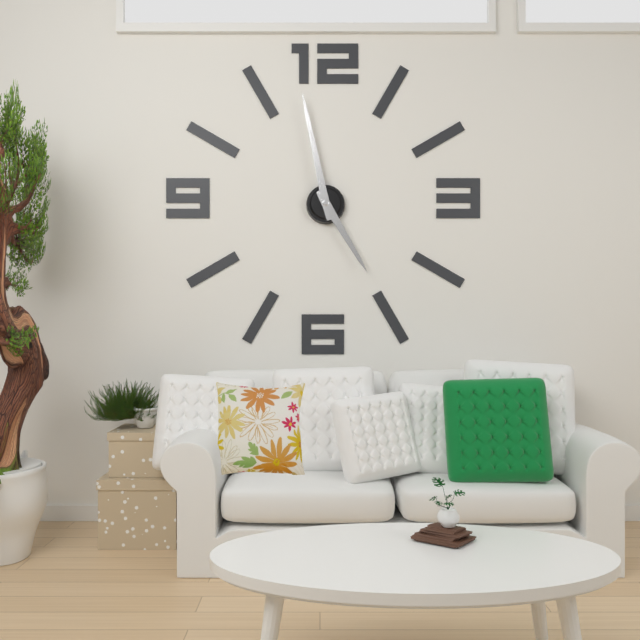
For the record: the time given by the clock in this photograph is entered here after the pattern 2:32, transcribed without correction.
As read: 4:58
